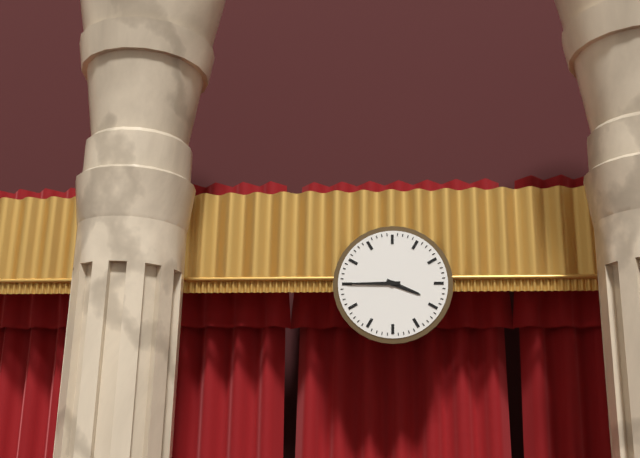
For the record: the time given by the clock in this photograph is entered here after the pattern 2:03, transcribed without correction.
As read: 3:45
